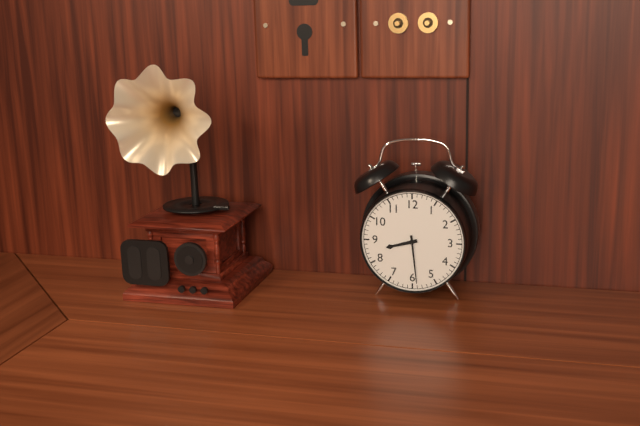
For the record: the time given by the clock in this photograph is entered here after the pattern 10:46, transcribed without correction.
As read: 8:29
